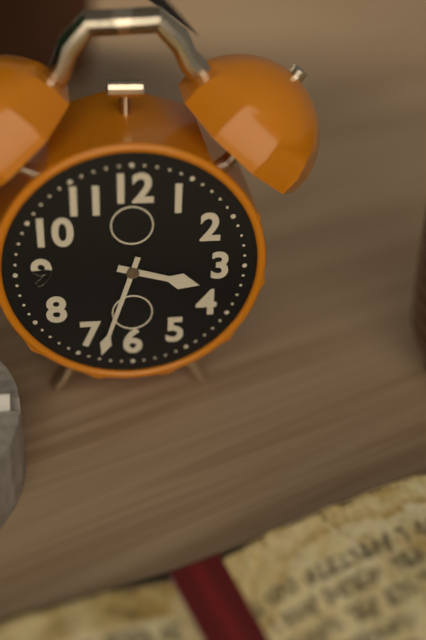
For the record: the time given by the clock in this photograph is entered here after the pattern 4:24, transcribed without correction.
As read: 3:33
